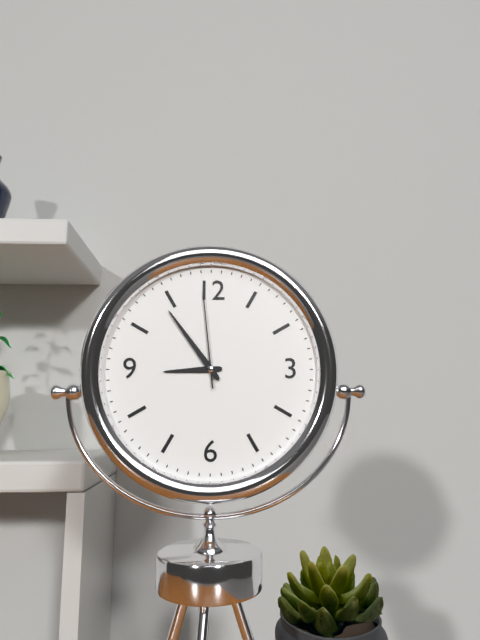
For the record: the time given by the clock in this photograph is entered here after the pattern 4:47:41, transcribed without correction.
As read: 8:54:59
